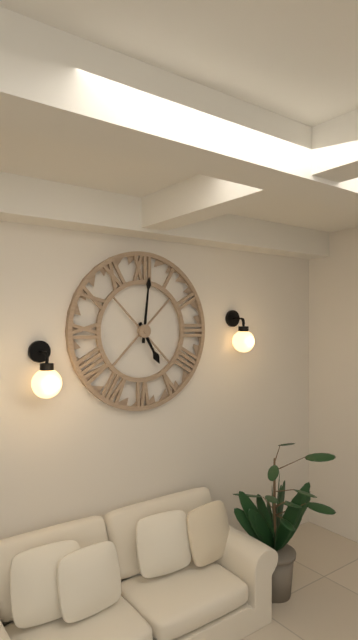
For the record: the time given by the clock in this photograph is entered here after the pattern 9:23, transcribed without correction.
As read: 5:01
